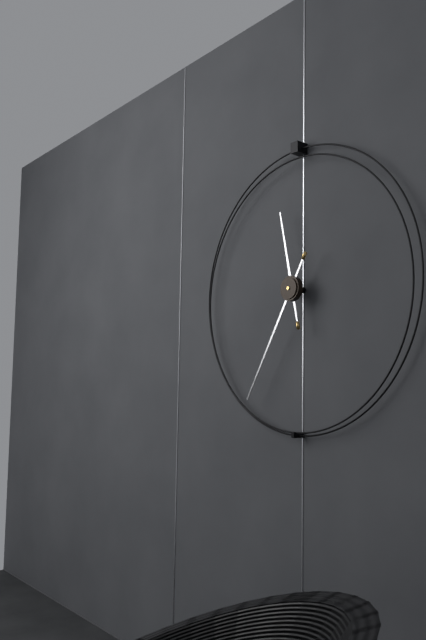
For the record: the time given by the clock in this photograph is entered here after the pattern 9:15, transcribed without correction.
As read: 11:35
